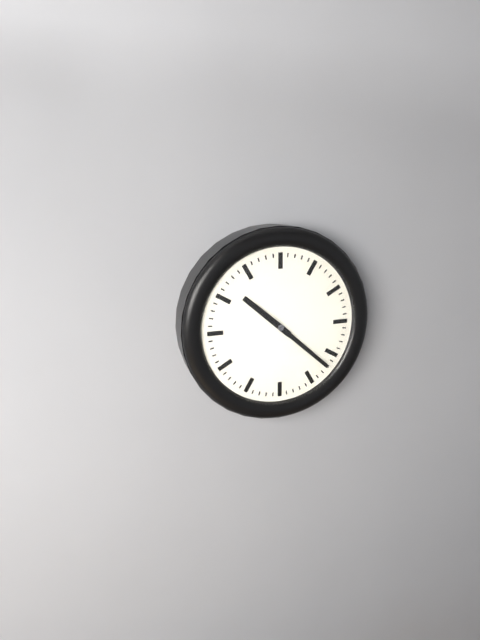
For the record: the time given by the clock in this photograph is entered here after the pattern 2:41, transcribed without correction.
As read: 10:22
